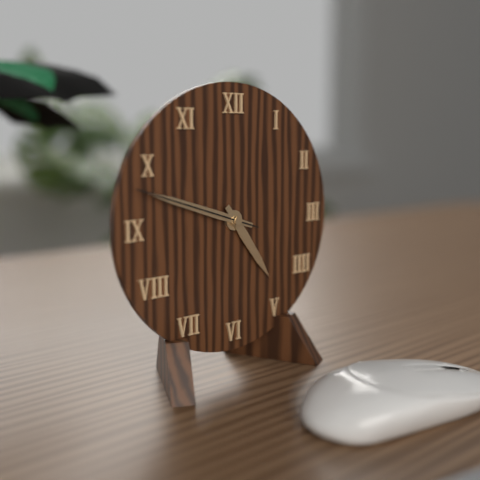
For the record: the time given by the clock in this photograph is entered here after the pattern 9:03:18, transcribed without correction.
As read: 4:48:48
